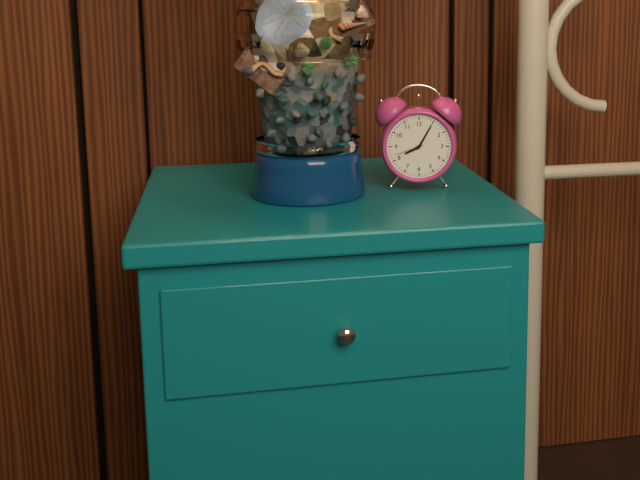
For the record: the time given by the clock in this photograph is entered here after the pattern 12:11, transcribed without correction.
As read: 8:05
